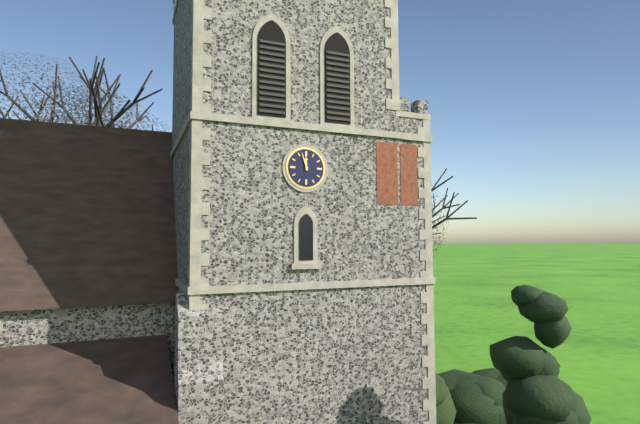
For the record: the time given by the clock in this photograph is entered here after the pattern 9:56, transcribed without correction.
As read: 11:57
